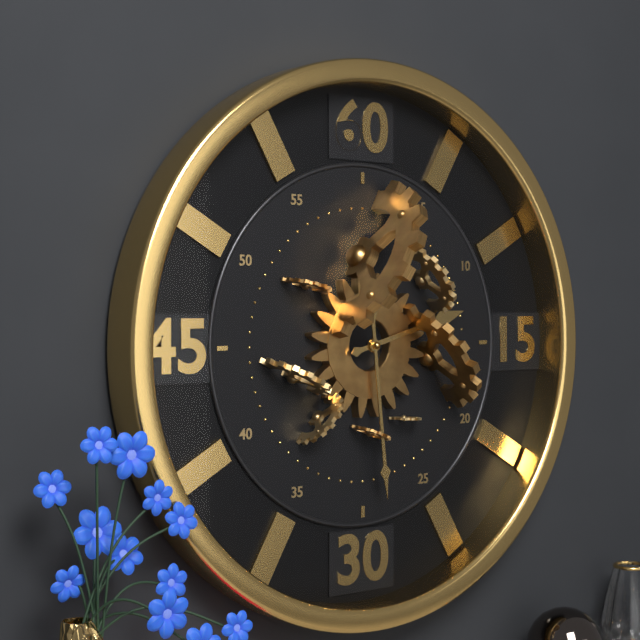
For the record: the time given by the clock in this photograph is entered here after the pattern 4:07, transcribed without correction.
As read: 2:29
